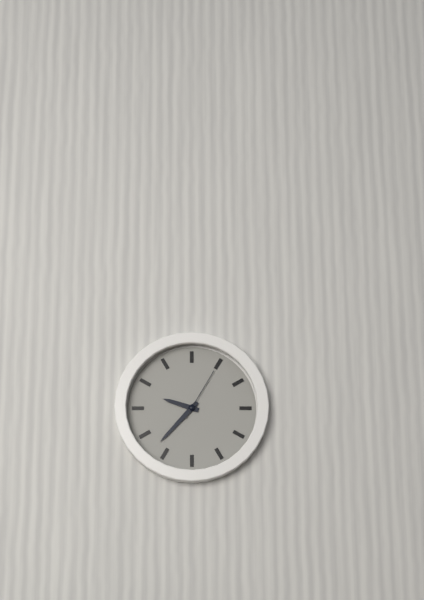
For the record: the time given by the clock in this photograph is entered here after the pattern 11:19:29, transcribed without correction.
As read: 9:37:05
